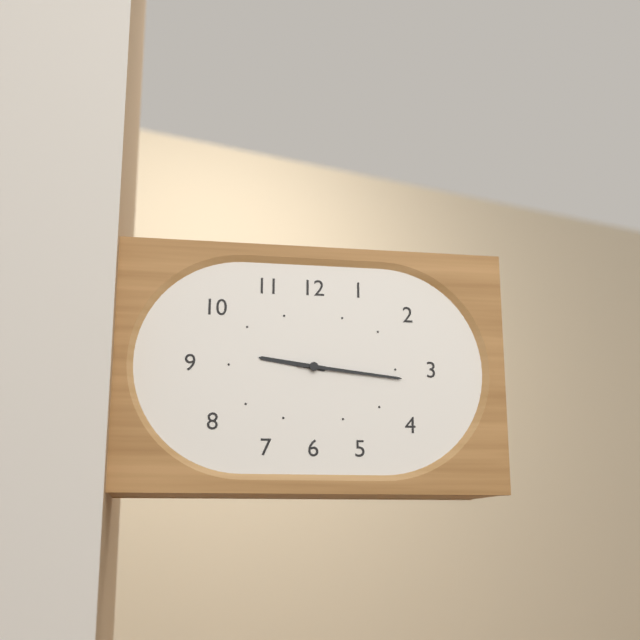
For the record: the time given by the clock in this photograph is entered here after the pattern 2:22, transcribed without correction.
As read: 9:16
